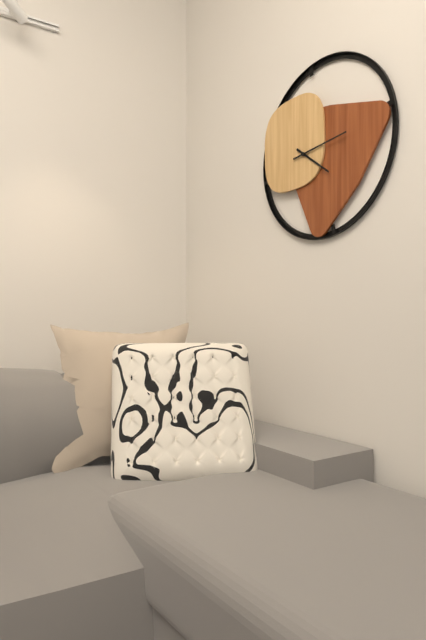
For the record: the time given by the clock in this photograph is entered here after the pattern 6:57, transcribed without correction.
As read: 4:14
